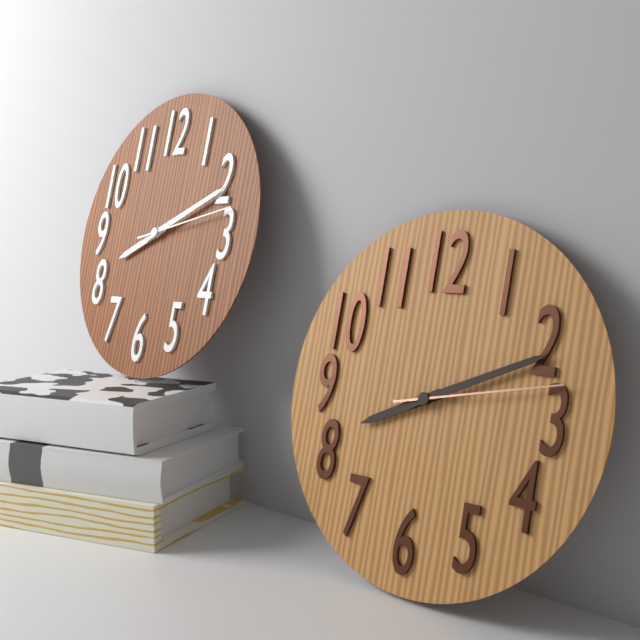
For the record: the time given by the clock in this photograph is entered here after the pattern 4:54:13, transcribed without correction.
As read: 8:11:13
